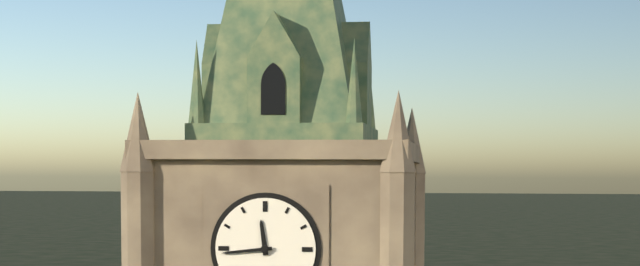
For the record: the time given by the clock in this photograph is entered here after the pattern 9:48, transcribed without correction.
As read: 11:44
